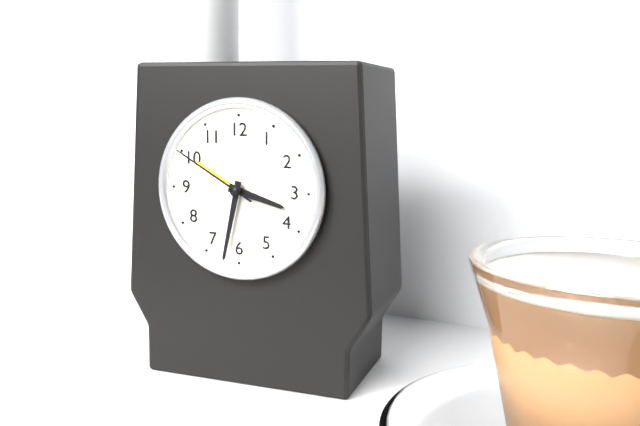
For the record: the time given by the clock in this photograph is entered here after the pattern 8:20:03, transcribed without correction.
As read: 3:32:50
